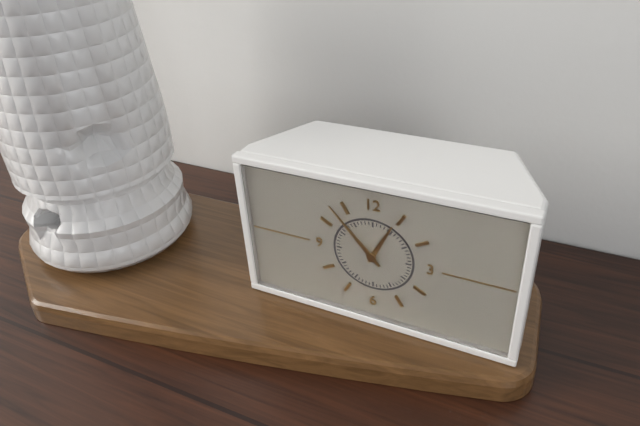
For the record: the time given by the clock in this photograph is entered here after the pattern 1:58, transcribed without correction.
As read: 12:53
